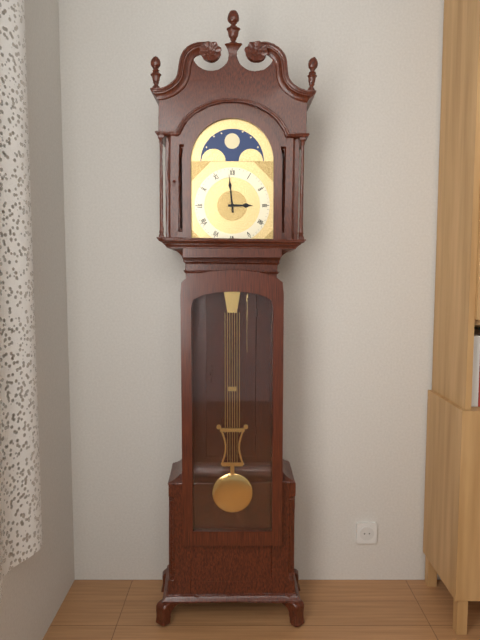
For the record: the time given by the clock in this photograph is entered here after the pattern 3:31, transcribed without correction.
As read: 2:59
